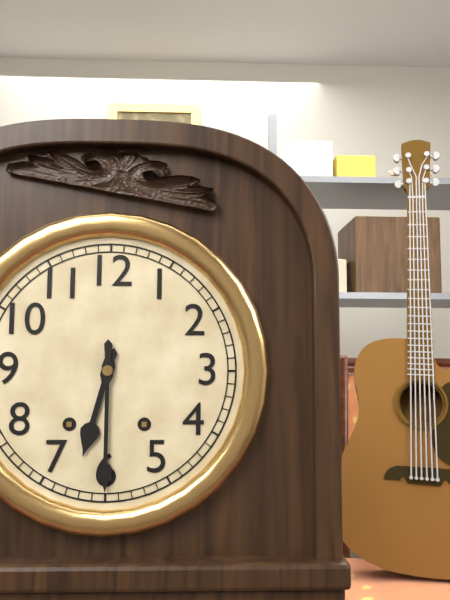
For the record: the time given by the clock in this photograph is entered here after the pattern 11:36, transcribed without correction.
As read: 6:30
